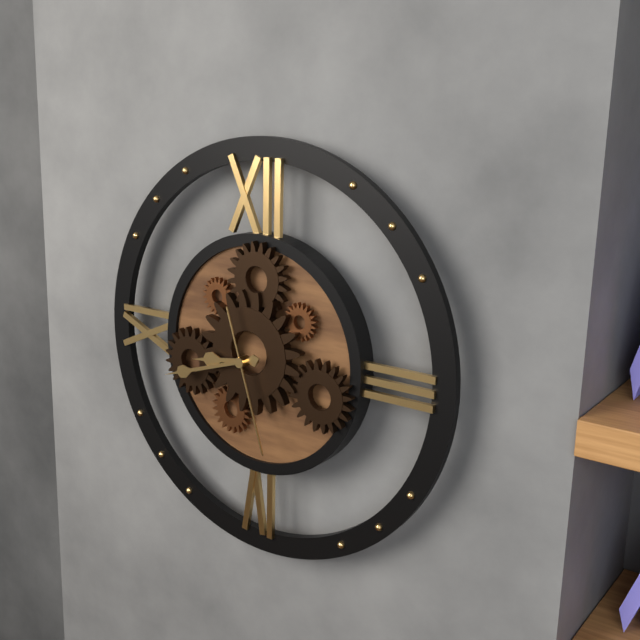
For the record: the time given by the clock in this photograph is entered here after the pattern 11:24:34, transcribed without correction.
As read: 8:42:27
